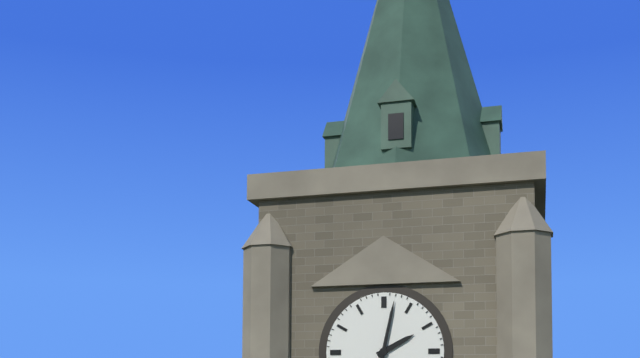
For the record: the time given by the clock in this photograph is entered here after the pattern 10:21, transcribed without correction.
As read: 2:02
